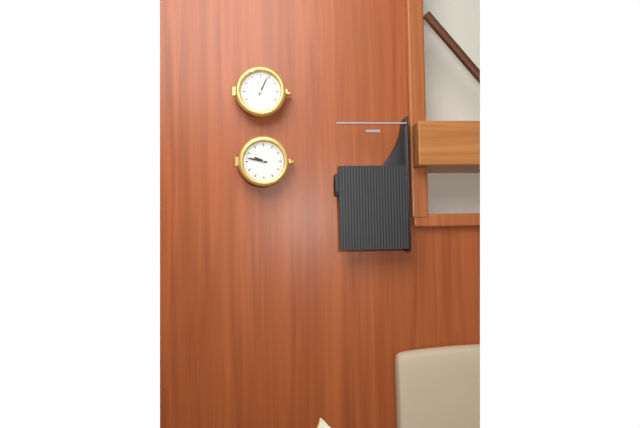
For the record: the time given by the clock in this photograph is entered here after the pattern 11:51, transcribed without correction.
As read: 9:47
